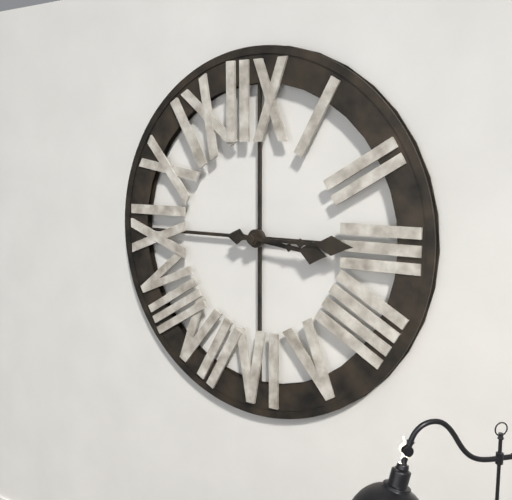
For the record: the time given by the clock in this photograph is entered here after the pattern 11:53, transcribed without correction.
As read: 3:15
